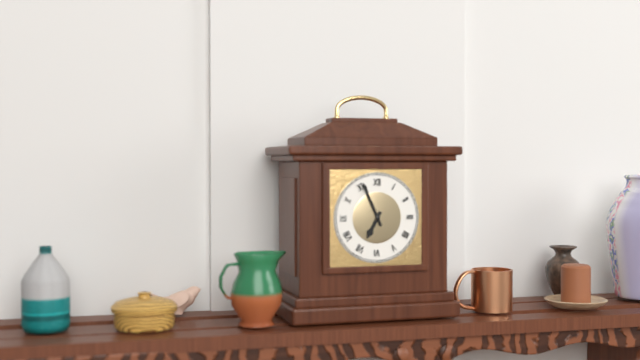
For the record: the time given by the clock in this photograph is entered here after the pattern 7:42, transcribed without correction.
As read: 6:56
